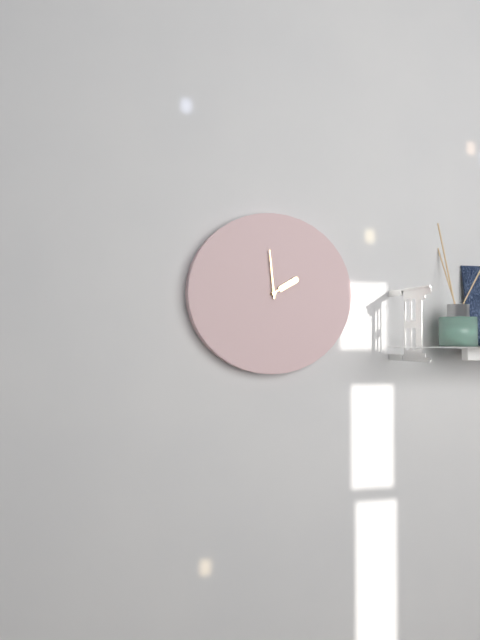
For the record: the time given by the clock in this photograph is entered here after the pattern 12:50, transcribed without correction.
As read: 1:59
